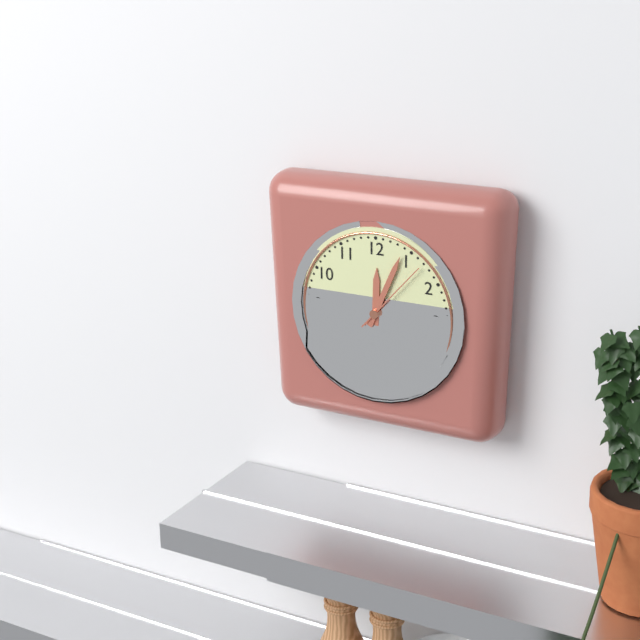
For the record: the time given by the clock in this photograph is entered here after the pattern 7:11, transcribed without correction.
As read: 12:04
